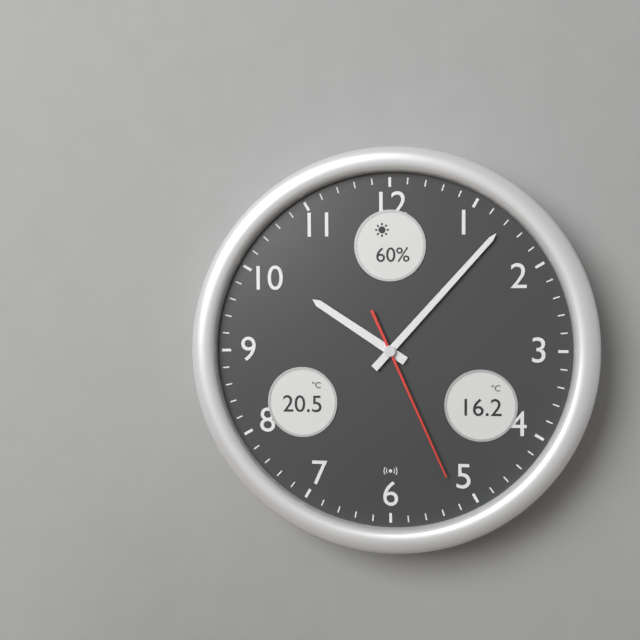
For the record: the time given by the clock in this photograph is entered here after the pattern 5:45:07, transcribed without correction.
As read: 10:07:26
